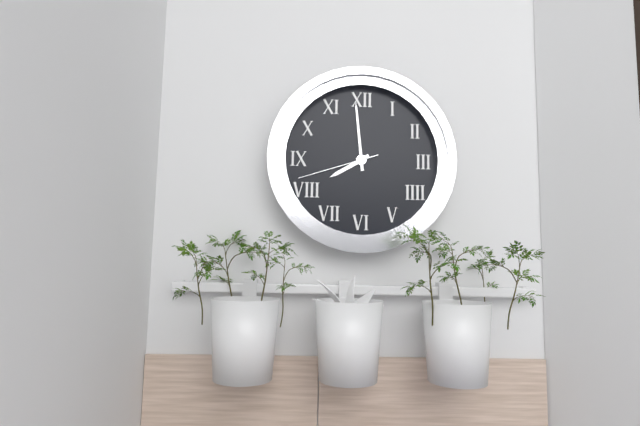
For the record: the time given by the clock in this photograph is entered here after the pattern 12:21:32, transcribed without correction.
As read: 7:59:42
